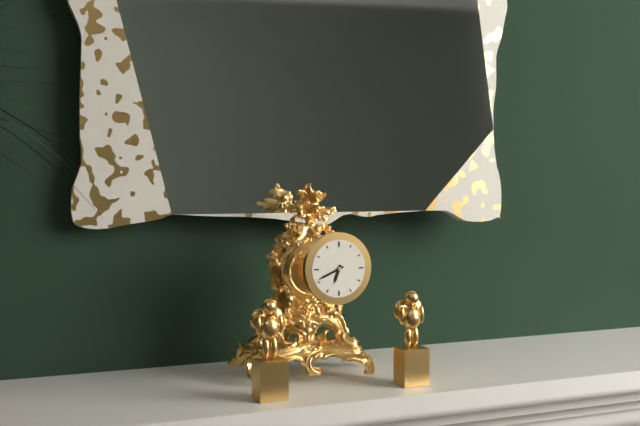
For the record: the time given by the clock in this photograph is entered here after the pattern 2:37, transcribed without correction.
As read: 6:41
